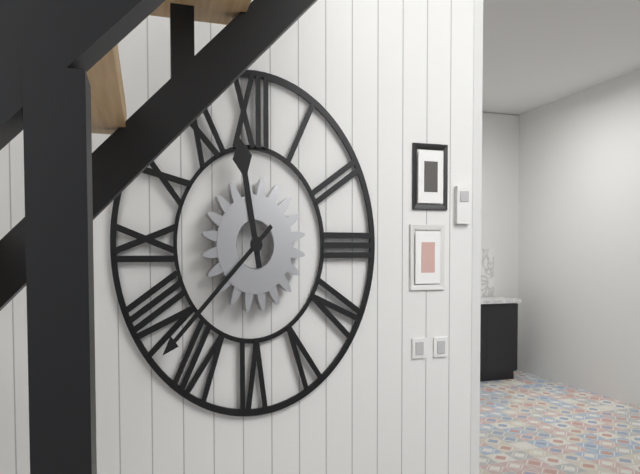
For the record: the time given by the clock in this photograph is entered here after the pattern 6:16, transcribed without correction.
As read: 11:38
